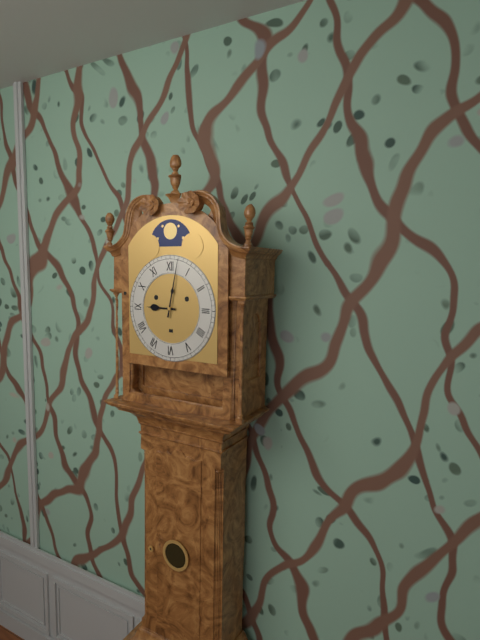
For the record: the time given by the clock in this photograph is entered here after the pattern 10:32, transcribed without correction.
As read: 9:02
